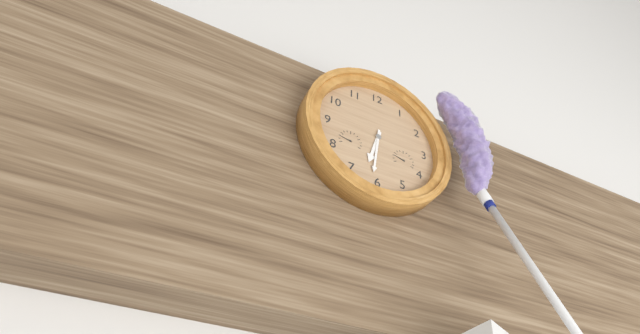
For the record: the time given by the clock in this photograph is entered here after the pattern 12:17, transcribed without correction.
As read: 6:31
